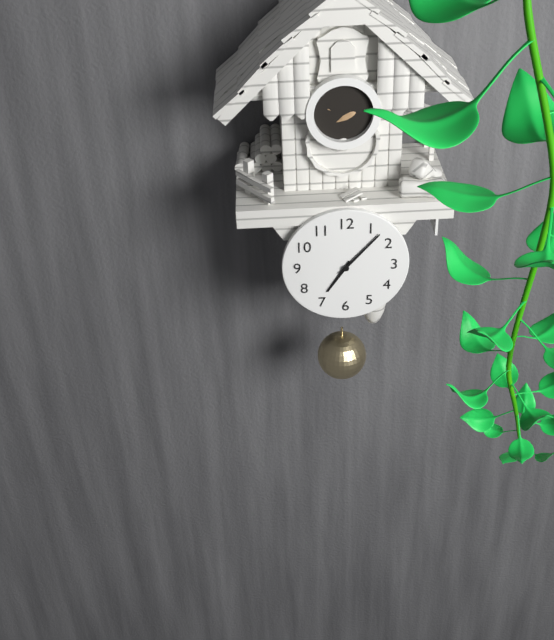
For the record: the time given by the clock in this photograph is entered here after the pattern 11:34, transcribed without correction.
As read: 7:07
